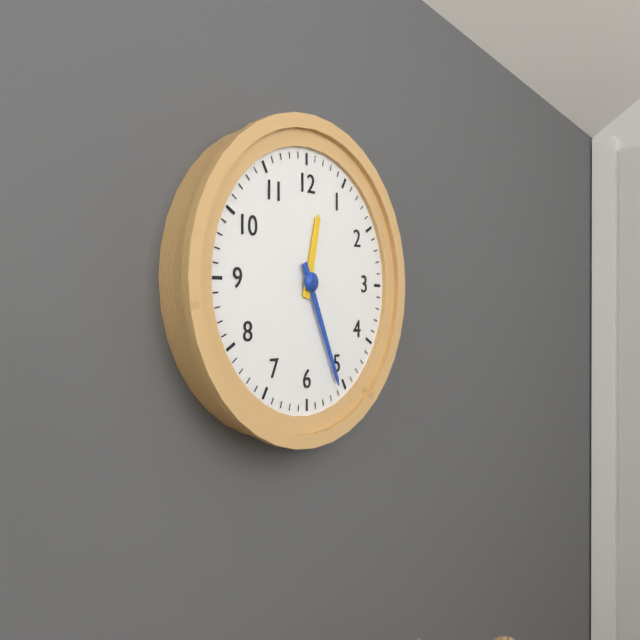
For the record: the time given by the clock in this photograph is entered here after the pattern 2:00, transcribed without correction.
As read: 12:26
